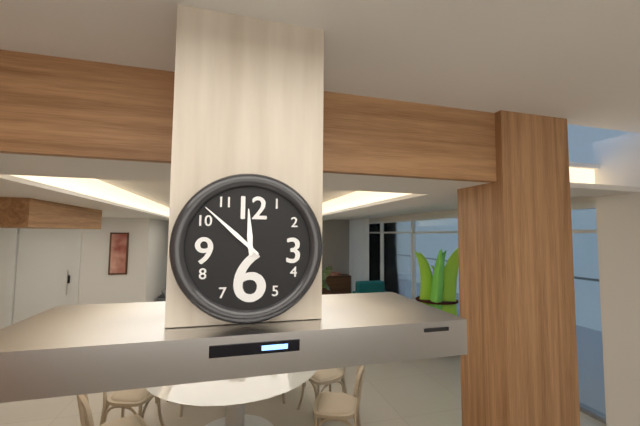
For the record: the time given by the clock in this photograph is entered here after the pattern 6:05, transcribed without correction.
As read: 11:52
